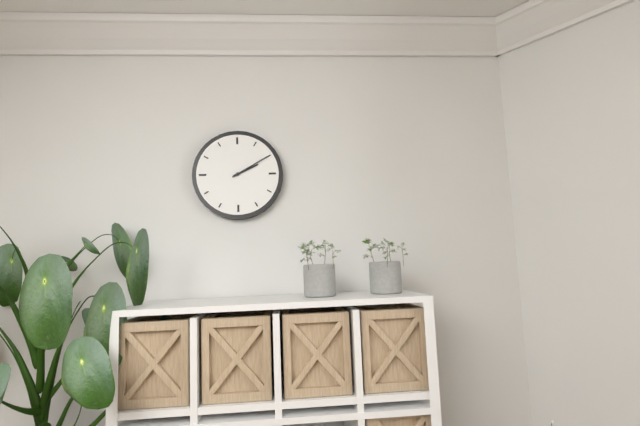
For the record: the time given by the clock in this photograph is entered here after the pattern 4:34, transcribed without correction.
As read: 2:10
